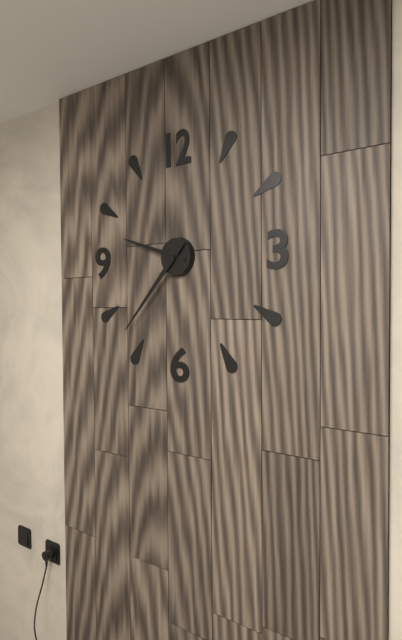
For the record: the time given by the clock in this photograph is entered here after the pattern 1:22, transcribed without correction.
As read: 9:37
